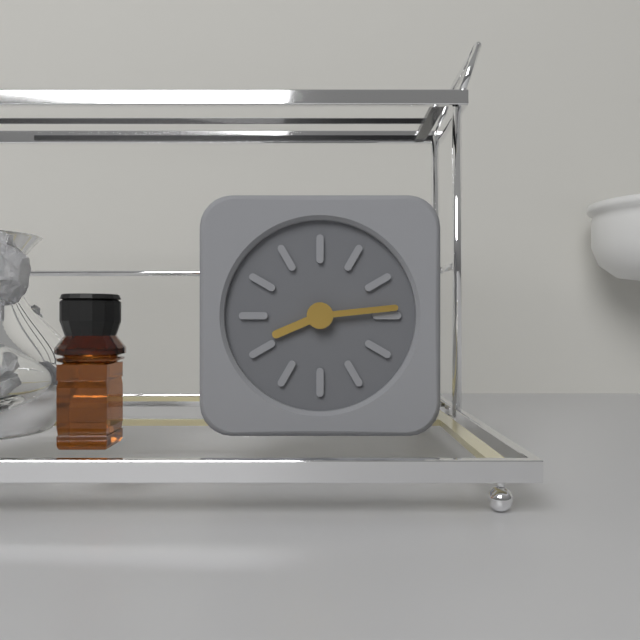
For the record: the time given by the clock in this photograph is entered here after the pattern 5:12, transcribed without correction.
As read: 8:14
